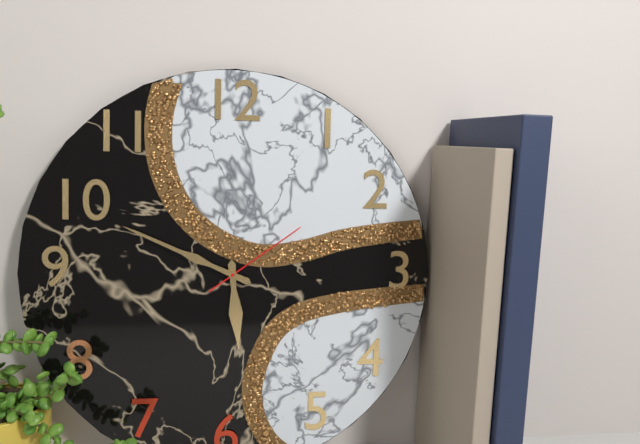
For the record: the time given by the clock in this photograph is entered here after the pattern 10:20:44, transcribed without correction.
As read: 5:49:09
